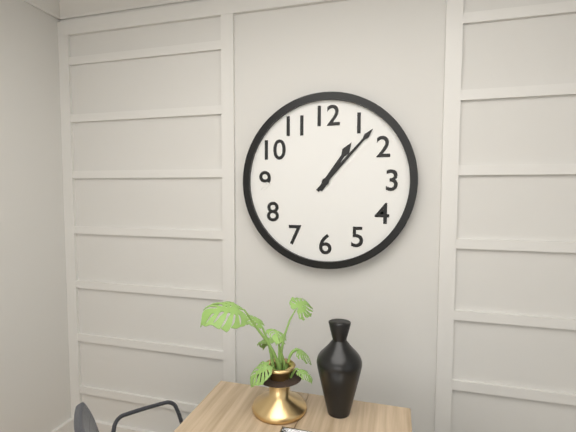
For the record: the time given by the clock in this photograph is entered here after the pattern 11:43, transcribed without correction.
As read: 1:07
